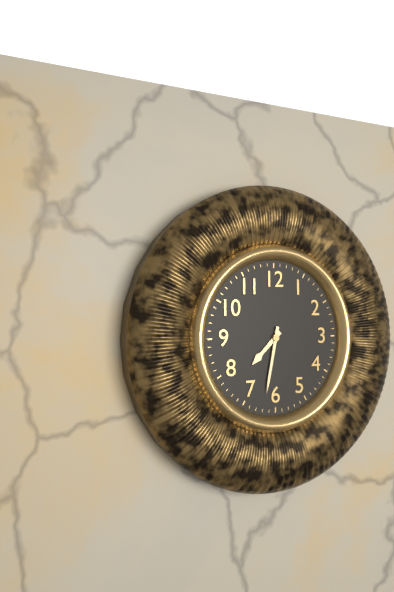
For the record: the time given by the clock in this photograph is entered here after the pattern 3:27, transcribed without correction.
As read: 7:32
